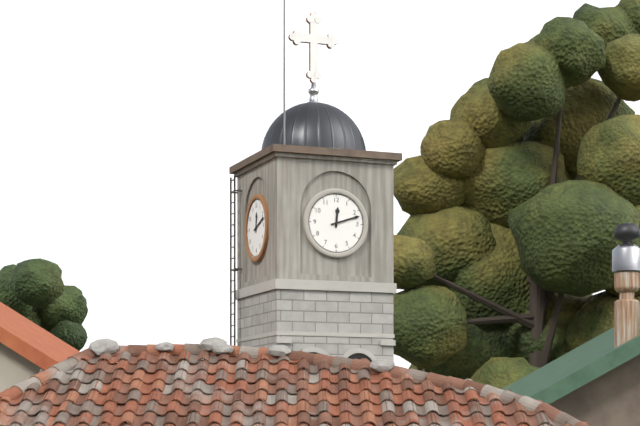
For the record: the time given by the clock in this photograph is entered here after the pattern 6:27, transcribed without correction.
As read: 12:12
